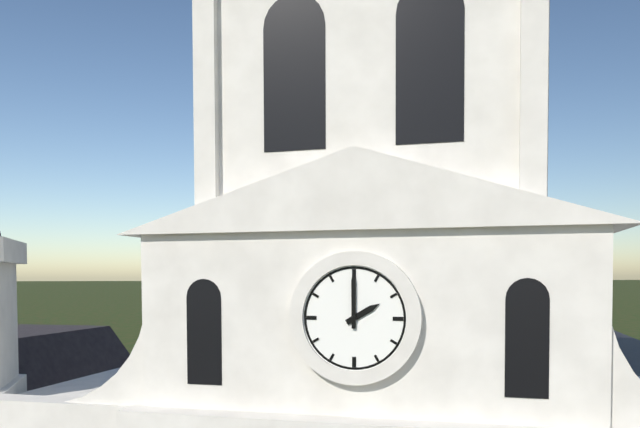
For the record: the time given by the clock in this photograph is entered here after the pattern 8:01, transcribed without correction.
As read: 2:00
